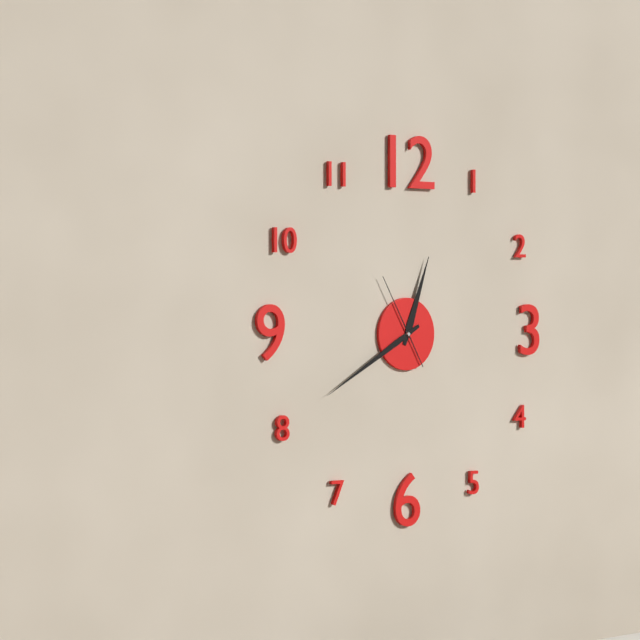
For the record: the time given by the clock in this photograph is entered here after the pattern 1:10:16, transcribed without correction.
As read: 12:40:55
